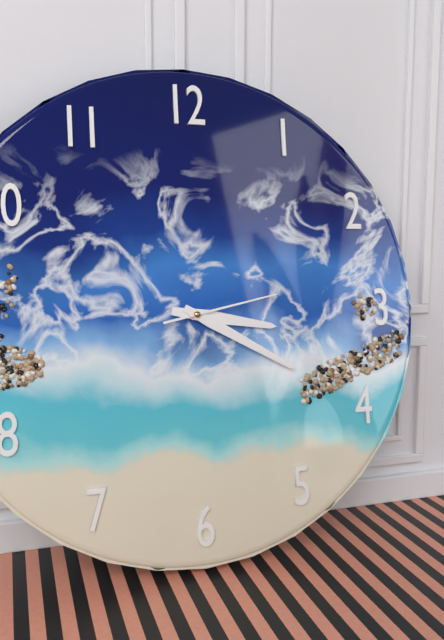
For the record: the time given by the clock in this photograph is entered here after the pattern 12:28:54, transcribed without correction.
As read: 3:20:13
